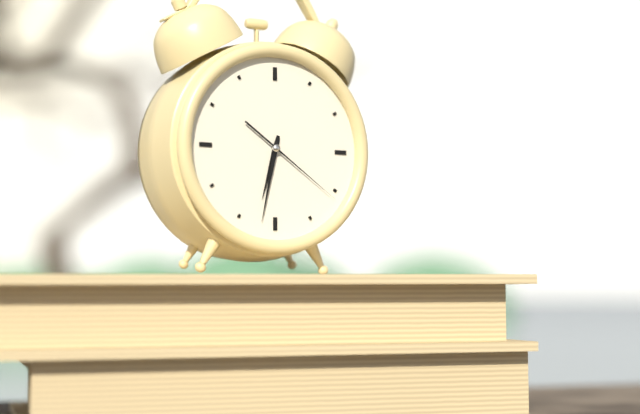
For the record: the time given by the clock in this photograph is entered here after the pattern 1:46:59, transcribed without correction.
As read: 6:32:21
